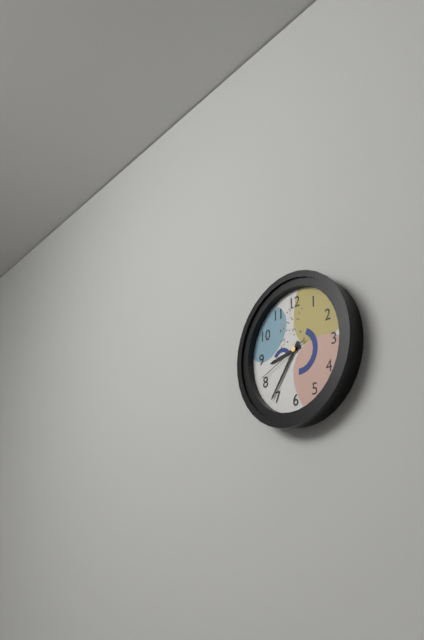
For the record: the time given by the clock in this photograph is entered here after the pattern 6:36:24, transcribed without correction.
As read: 8:36:41
